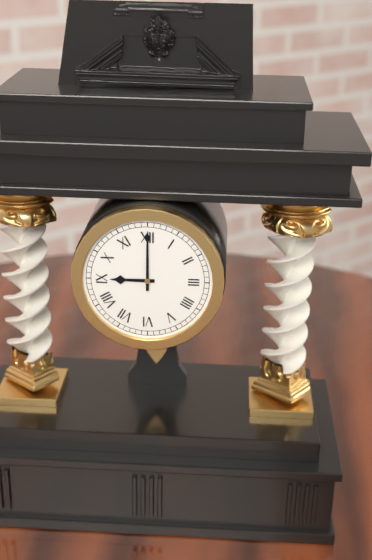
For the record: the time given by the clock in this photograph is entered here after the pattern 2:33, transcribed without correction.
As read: 9:00
